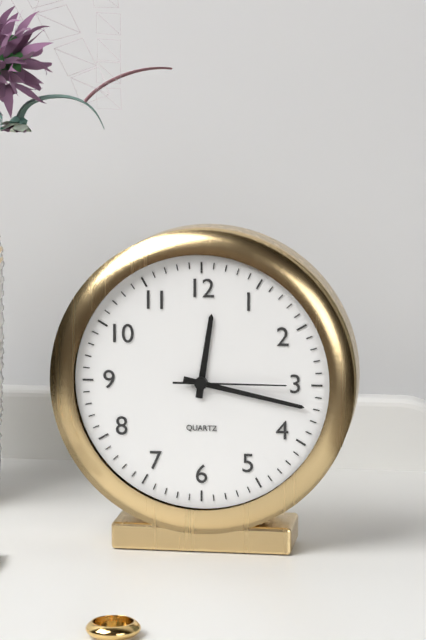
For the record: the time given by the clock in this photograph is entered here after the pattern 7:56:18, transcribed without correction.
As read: 12:17:15
